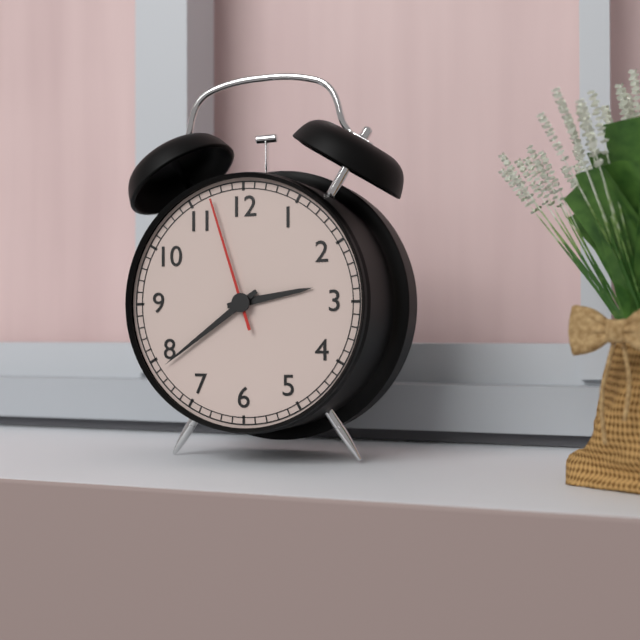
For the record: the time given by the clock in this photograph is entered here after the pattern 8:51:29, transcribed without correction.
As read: 2:39:57
